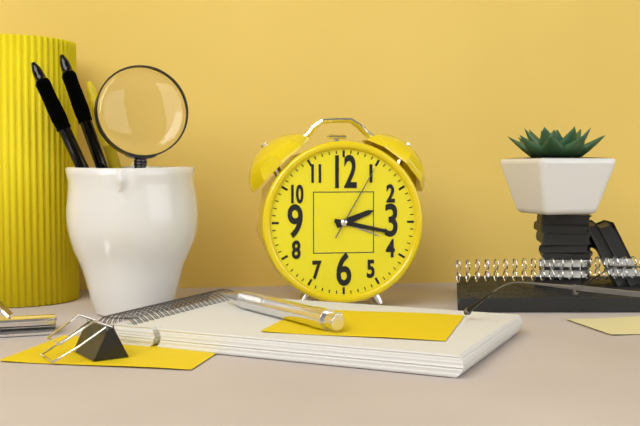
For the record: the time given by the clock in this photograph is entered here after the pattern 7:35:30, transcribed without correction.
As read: 2:17:05
